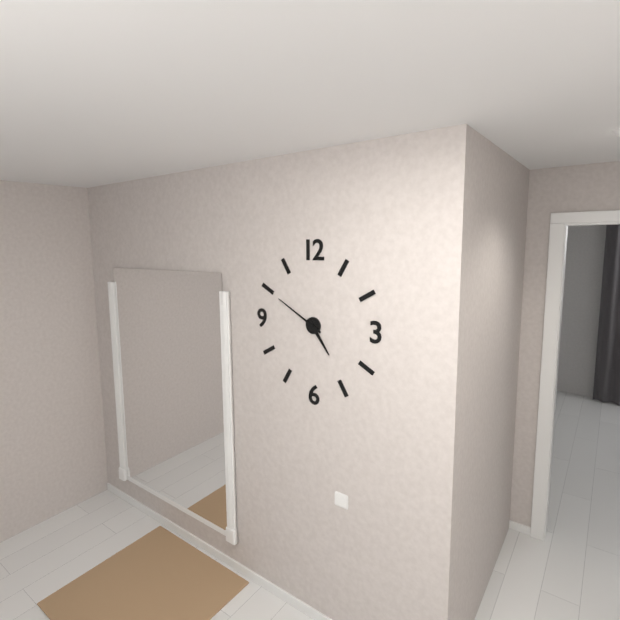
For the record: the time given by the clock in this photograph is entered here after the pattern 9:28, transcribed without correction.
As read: 4:50
